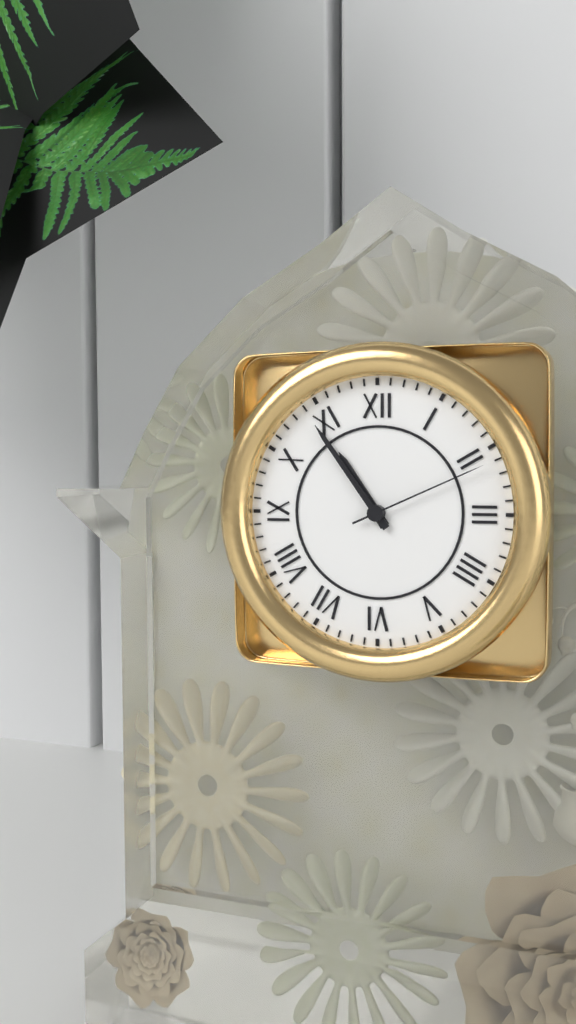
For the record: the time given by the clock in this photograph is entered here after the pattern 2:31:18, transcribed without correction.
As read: 10:54:11
